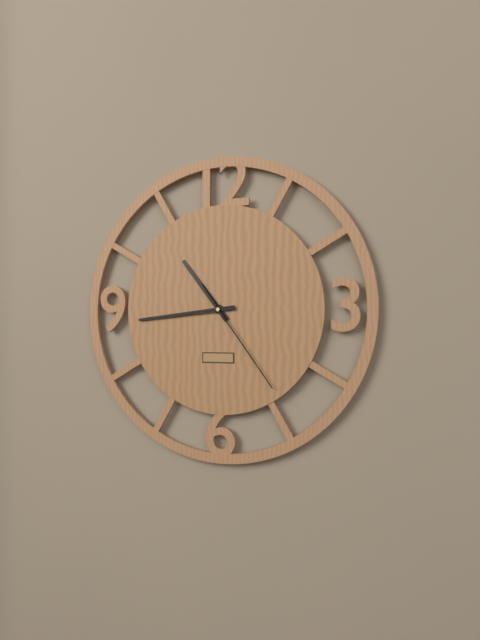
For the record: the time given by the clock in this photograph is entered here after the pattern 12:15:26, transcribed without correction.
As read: 10:44:24
